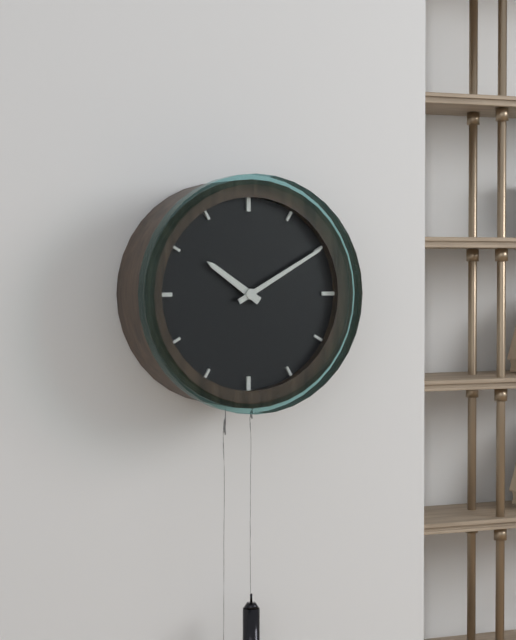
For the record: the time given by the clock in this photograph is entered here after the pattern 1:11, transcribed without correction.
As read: 10:10
